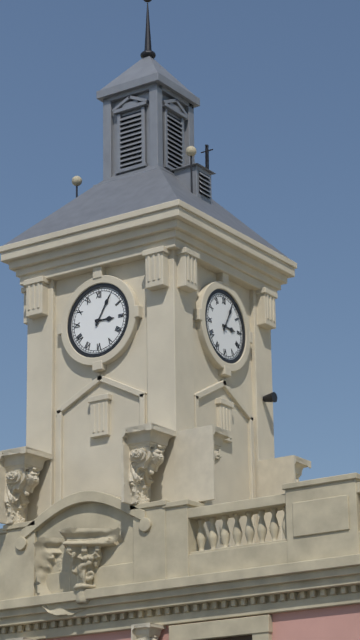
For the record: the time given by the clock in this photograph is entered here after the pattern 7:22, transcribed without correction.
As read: 3:05
